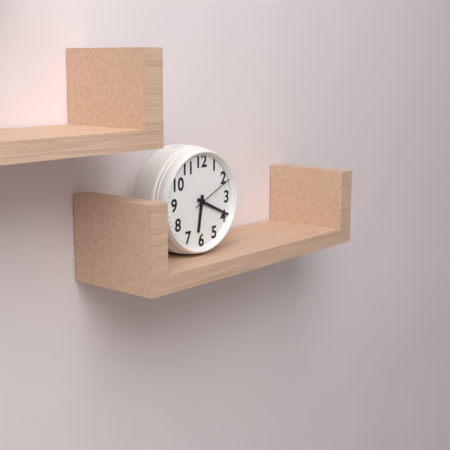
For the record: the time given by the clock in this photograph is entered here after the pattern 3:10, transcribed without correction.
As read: 6:19
